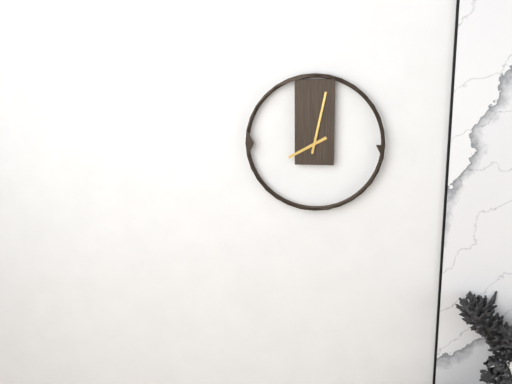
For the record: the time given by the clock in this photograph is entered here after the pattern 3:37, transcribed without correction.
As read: 8:02
